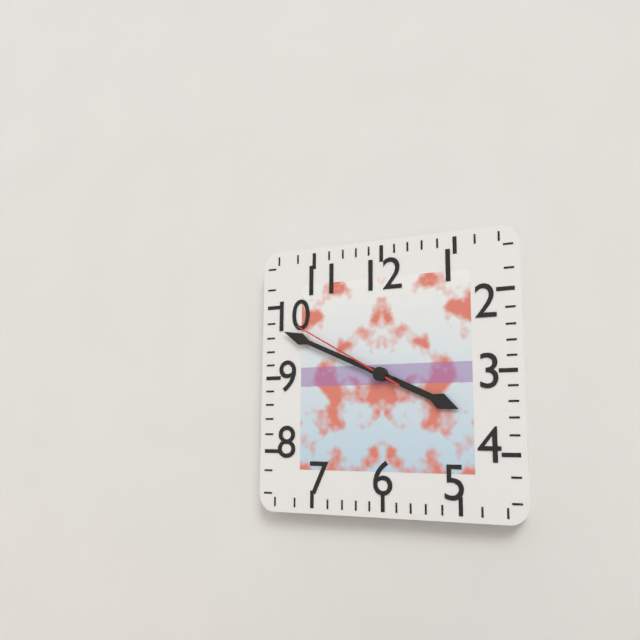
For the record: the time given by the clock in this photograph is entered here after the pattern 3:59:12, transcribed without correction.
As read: 3:49:50
